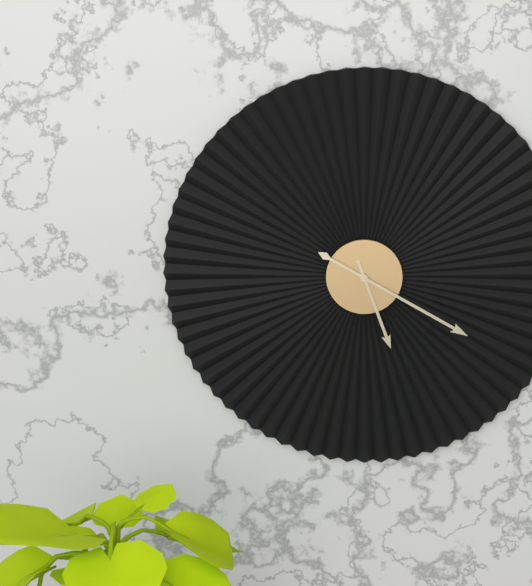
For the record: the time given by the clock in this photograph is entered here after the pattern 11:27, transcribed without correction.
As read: 5:20
